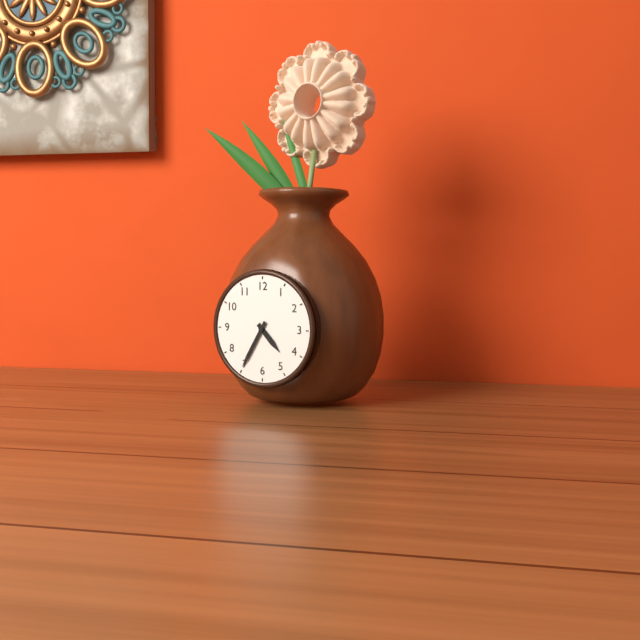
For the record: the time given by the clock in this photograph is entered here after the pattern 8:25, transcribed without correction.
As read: 4:35
